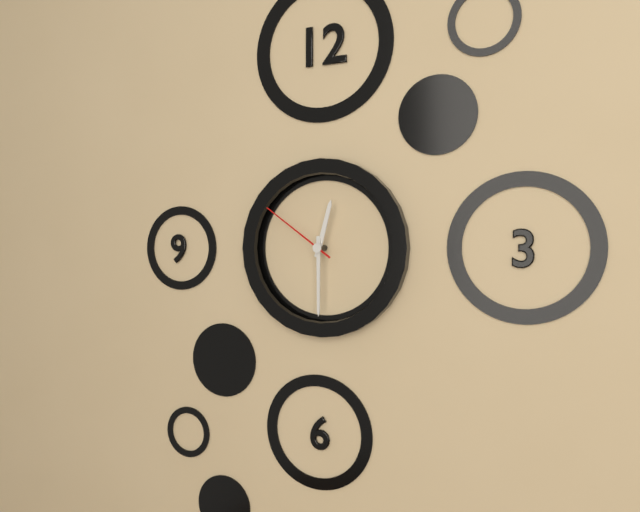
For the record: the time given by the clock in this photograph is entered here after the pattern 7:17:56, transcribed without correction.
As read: 12:30:51
